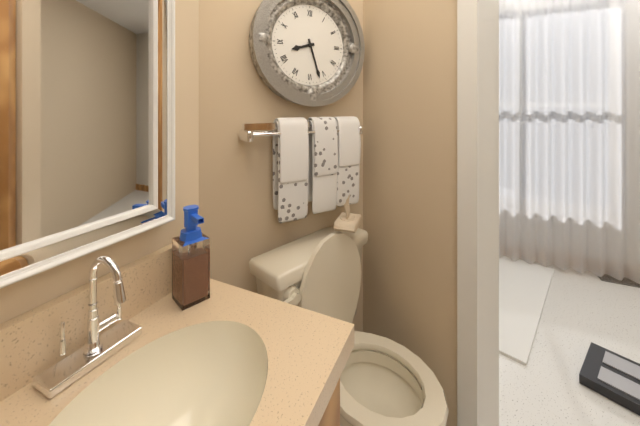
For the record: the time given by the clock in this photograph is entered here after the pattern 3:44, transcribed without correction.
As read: 8:27
